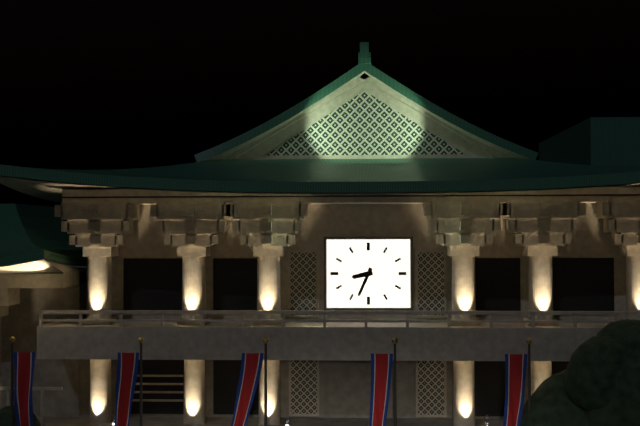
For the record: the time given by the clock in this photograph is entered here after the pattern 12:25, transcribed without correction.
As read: 8:34
